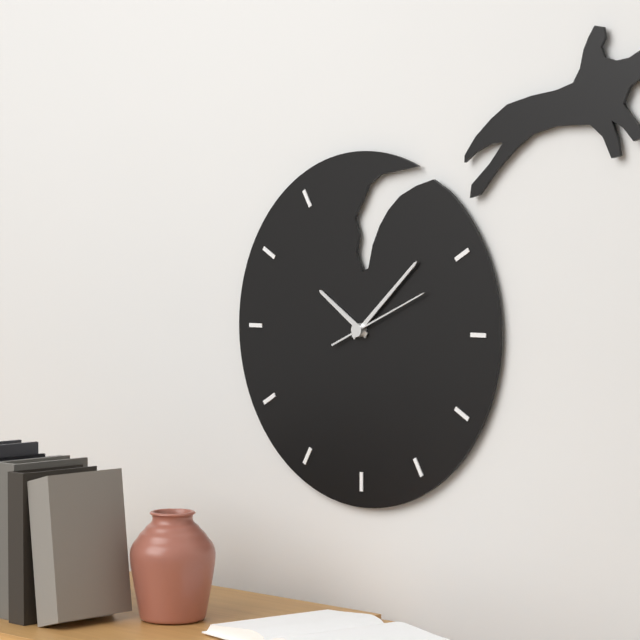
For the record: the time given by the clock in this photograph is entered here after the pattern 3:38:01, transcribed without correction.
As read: 10:08:11
